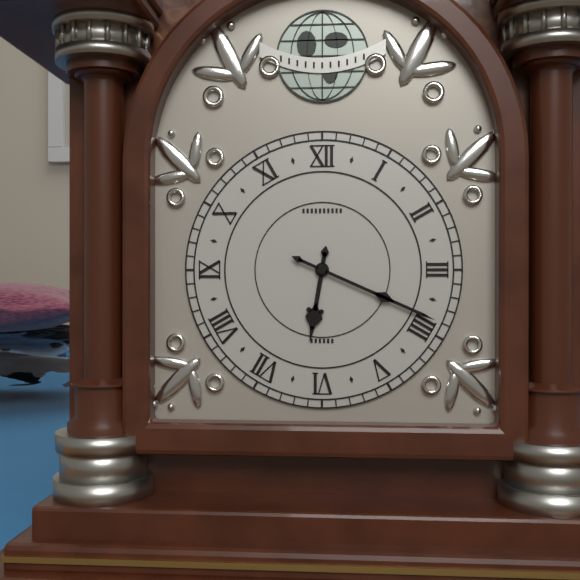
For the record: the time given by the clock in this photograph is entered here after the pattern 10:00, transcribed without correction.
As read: 6:19
